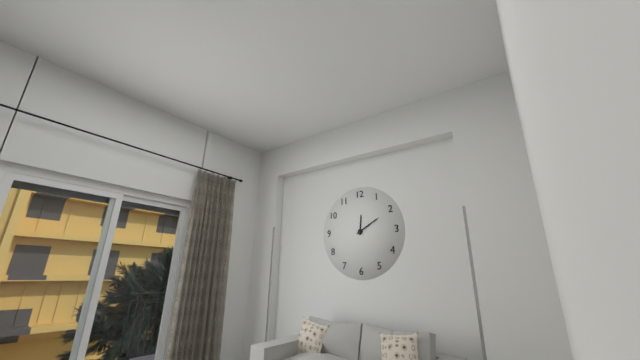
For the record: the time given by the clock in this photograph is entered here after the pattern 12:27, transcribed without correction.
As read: 12:10
